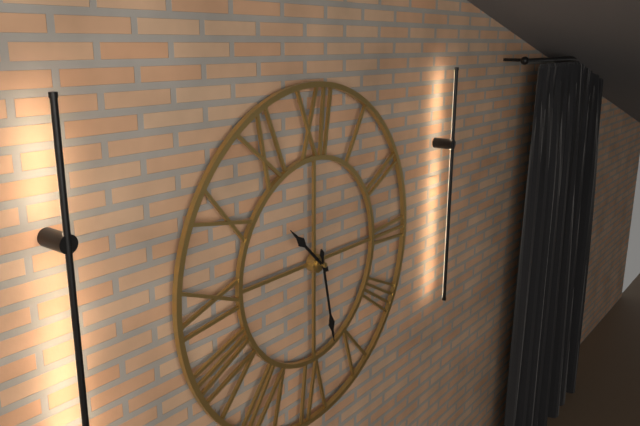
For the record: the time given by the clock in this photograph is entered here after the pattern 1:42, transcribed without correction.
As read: 10:28
